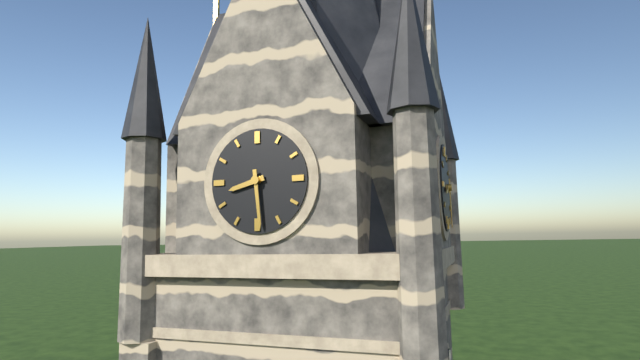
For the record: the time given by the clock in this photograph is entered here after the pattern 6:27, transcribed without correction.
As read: 8:29
